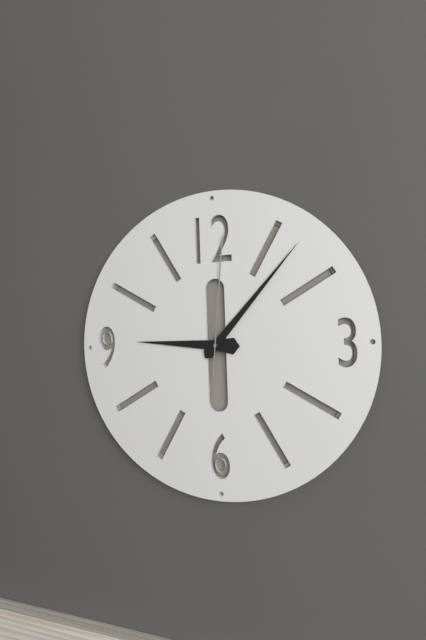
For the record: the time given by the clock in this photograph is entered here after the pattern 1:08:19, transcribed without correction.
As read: 9:07:01
